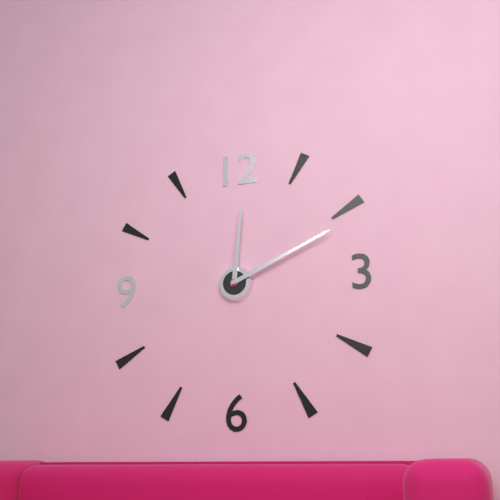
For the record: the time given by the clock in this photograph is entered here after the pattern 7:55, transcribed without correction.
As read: 12:11
